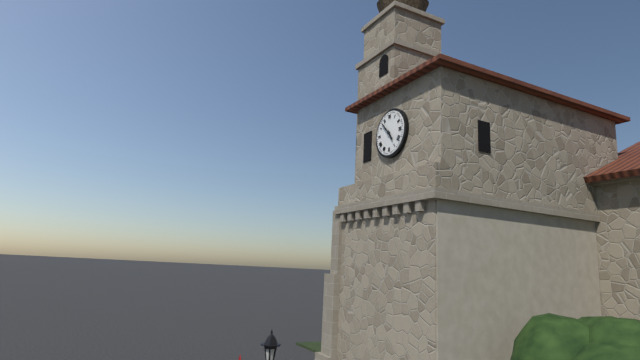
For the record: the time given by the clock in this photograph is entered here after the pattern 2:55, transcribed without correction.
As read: 4:53
